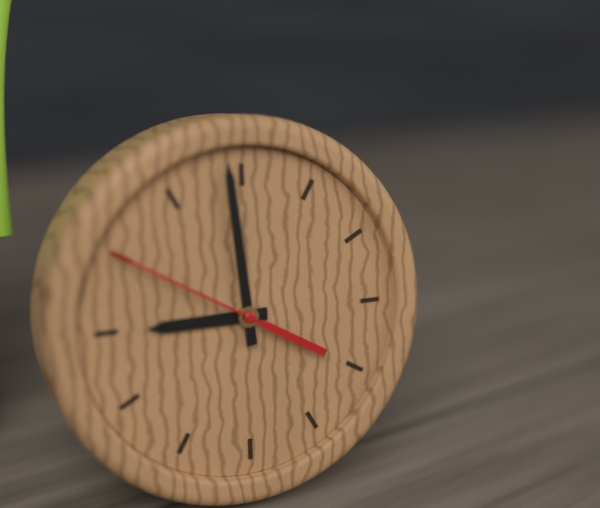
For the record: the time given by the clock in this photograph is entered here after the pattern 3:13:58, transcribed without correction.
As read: 8:59:50
